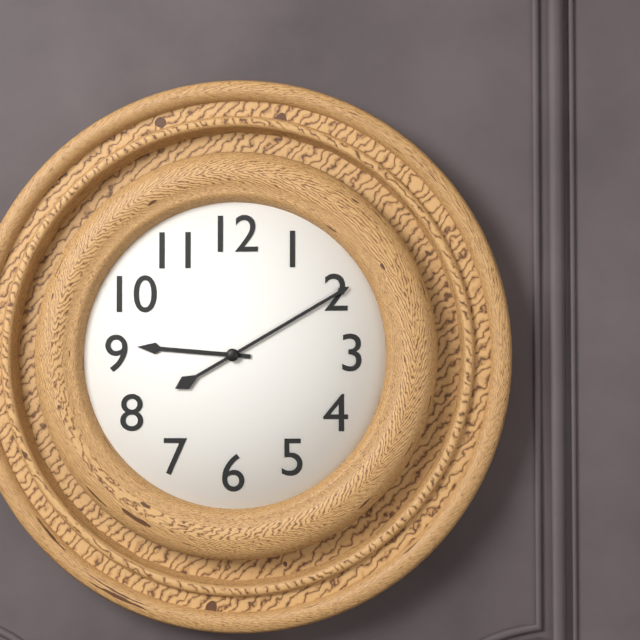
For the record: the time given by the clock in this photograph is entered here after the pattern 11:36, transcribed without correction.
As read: 9:10
